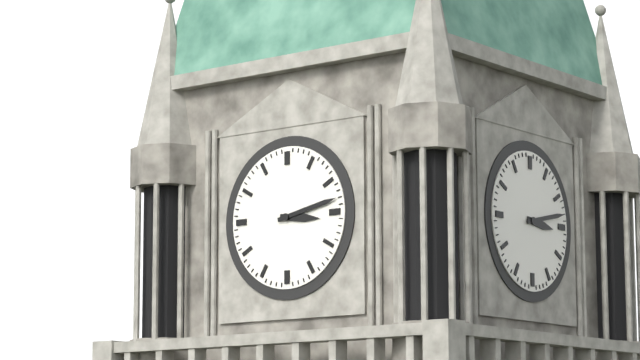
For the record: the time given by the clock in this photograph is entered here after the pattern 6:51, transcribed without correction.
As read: 3:13
